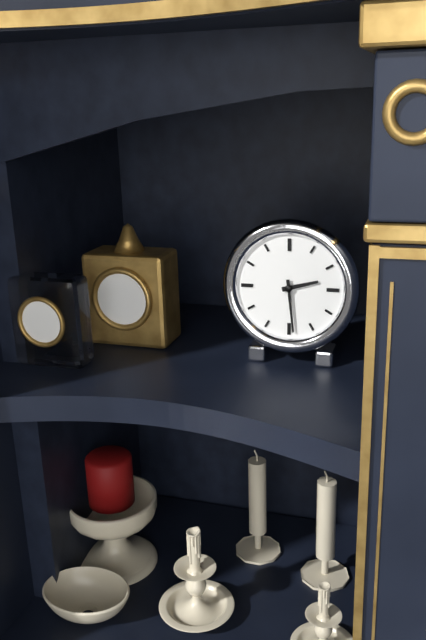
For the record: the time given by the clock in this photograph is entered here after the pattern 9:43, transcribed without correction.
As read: 2:29
